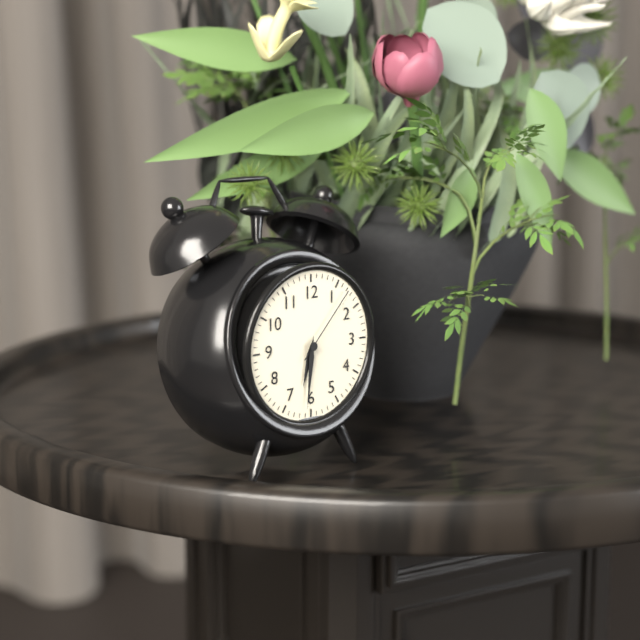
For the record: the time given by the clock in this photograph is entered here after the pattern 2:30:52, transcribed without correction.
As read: 6:31:07
